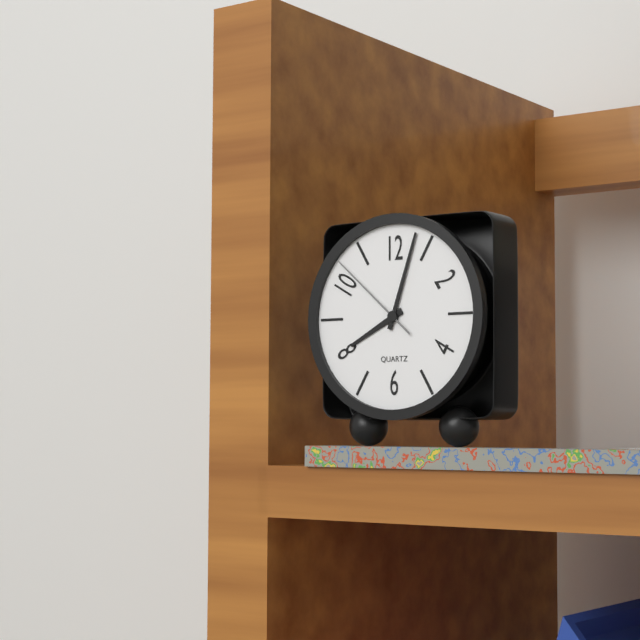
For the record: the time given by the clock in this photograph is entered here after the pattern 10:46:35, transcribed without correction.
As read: 8:03:52
